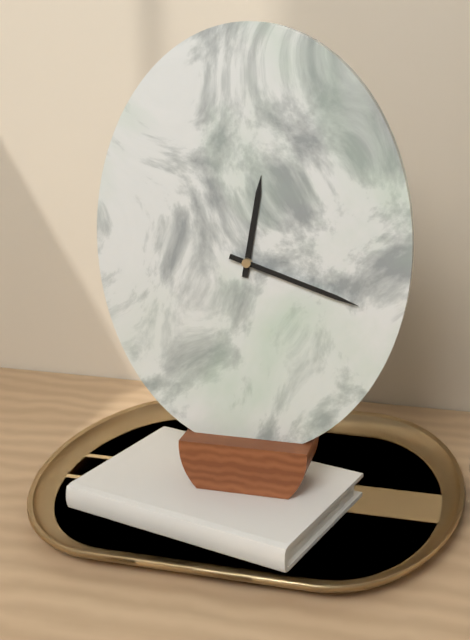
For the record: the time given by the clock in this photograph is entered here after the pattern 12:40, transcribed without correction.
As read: 12:18
